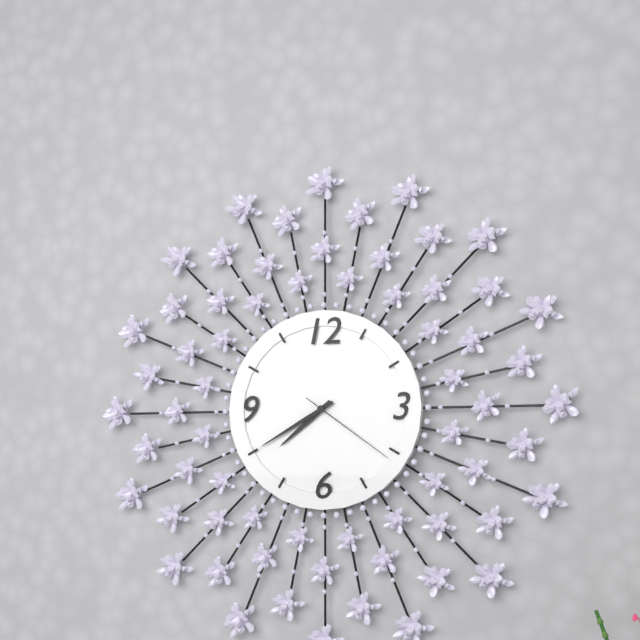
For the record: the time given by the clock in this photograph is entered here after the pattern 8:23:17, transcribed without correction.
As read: 7:40:21
